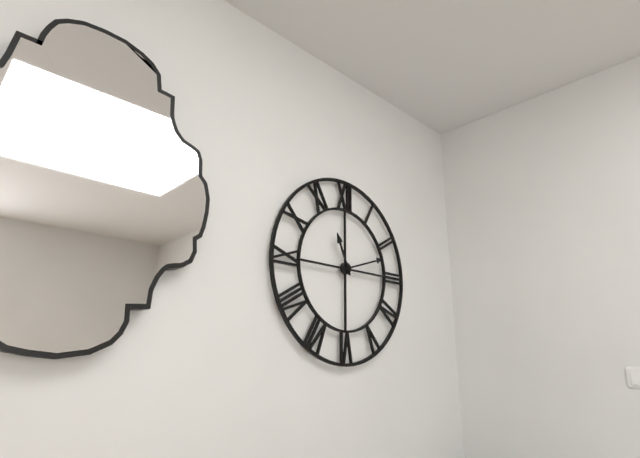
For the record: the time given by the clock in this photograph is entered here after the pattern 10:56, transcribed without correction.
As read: 11:12
